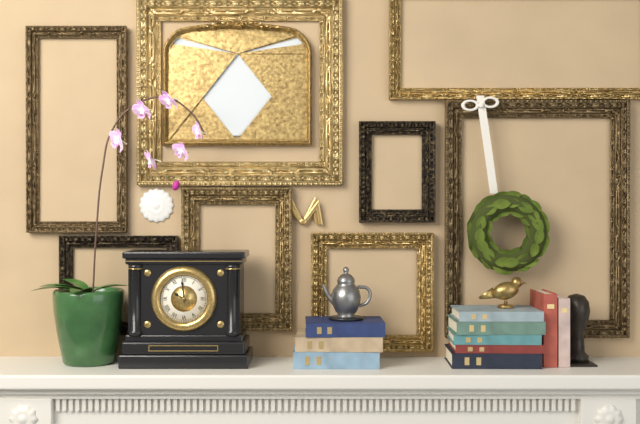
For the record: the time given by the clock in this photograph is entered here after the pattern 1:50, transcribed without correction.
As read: 9:59
